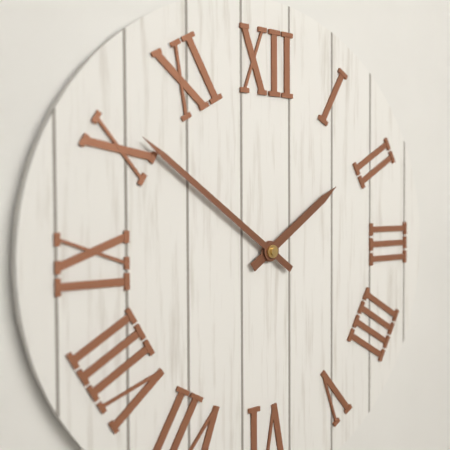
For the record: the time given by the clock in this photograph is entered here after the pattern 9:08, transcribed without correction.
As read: 1:51
